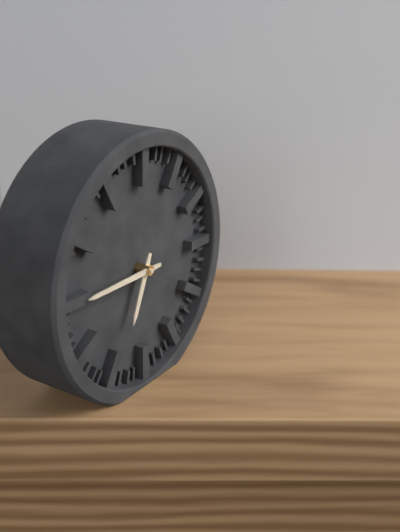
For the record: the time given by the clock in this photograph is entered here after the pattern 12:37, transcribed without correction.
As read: 6:45
